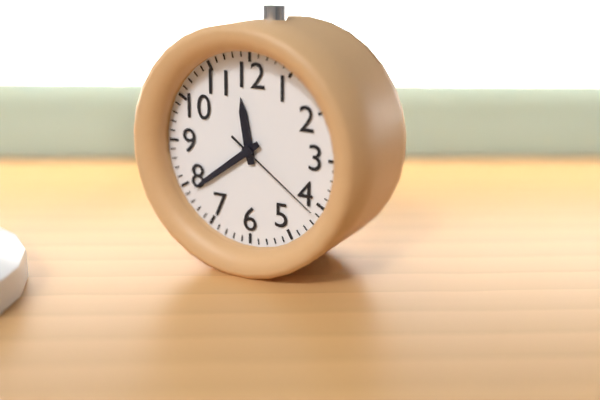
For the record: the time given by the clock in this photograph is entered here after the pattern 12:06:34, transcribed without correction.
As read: 11:39:21
